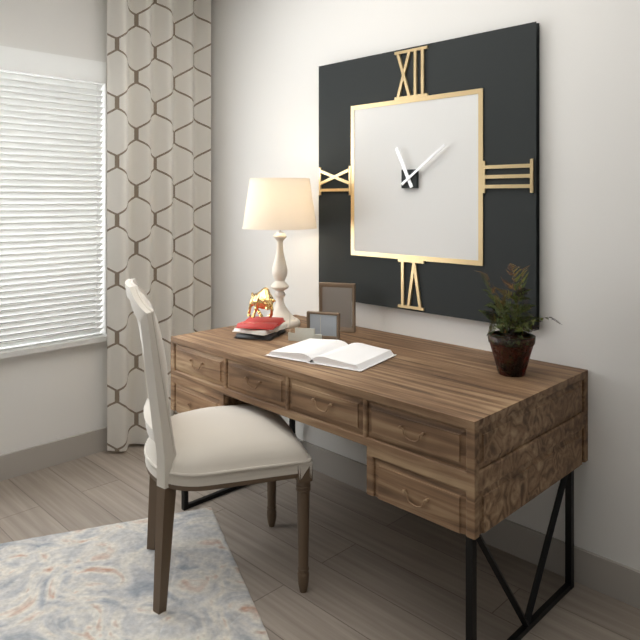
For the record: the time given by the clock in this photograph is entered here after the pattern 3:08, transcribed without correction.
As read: 11:09
